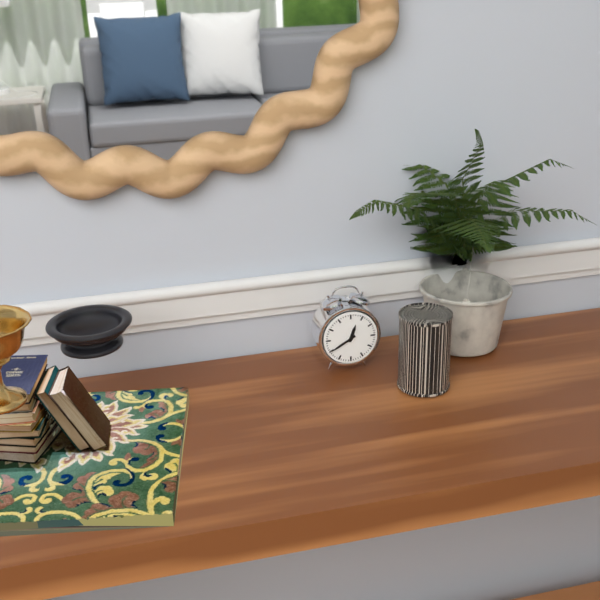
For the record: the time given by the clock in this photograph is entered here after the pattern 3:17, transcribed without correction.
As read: 12:40
